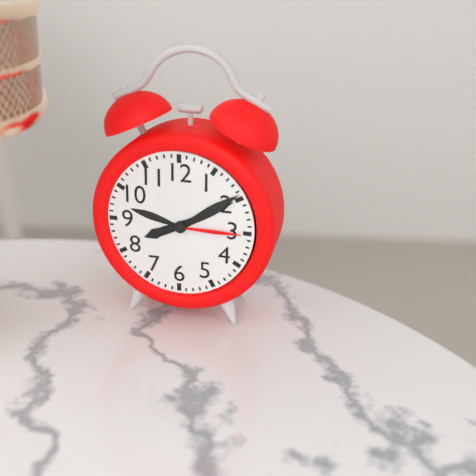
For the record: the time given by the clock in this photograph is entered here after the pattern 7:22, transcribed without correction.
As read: 8:10
